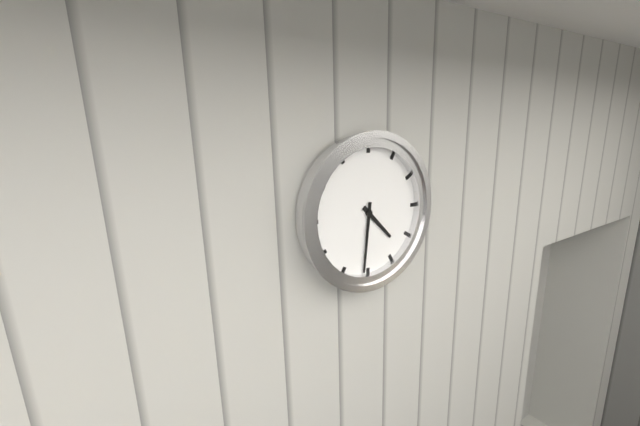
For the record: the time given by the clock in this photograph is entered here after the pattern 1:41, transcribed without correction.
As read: 4:31
